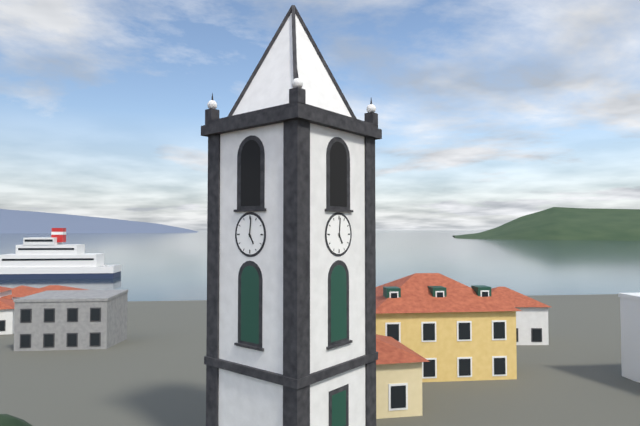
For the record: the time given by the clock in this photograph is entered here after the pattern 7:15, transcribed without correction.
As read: 5:01
